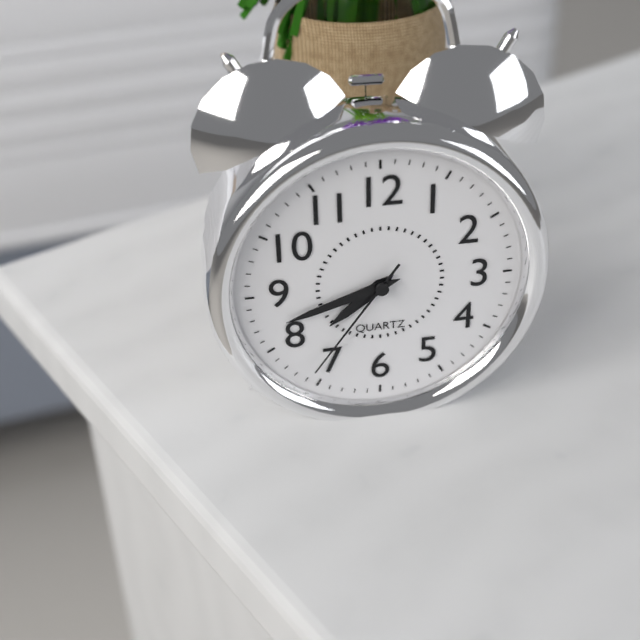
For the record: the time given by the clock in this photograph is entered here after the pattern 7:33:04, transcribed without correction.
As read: 7:42:36
